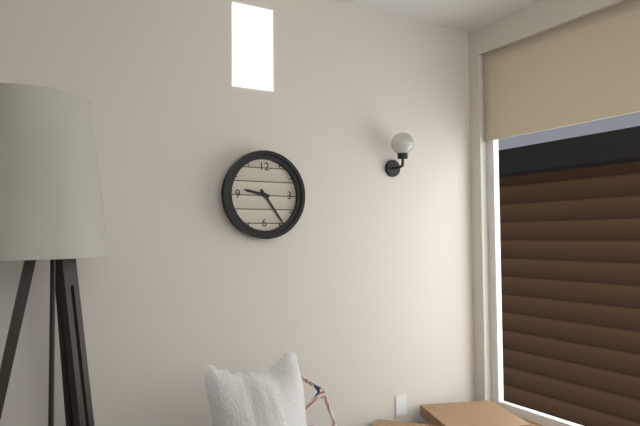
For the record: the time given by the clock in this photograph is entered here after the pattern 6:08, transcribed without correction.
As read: 9:24
